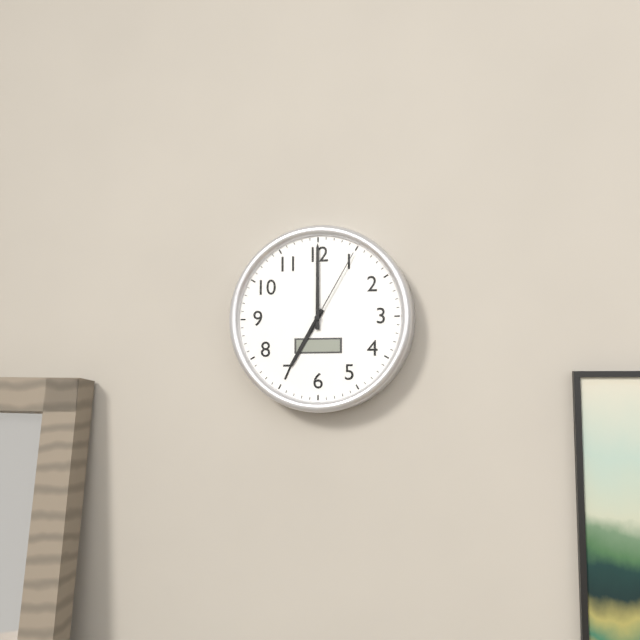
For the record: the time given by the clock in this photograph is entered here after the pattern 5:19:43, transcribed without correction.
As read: 7:00:05
